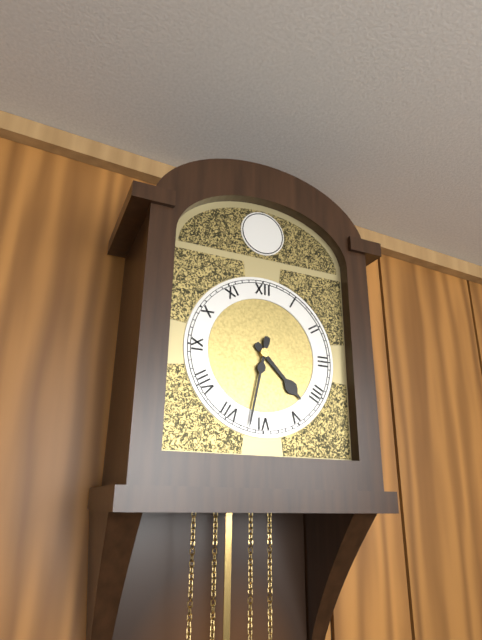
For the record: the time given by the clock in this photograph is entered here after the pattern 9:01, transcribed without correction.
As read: 4:32
